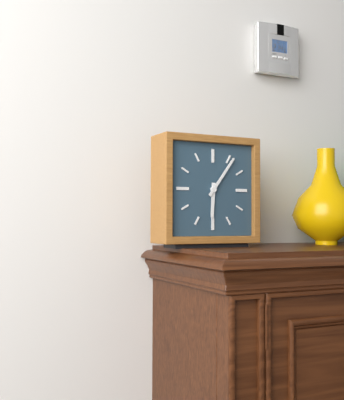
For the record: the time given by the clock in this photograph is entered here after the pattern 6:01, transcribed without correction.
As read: 6:06
